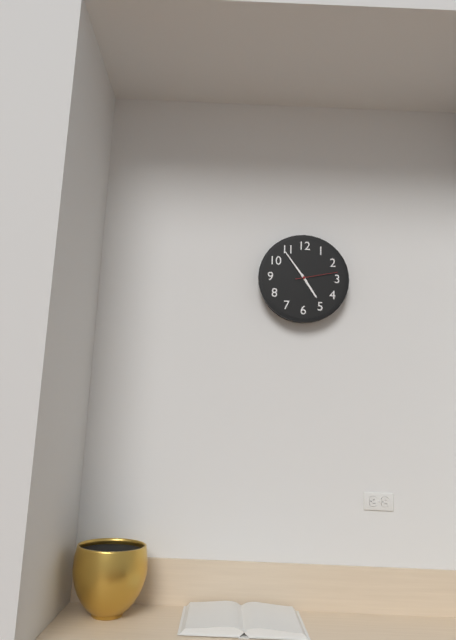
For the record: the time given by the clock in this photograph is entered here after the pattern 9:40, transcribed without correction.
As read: 4:54
